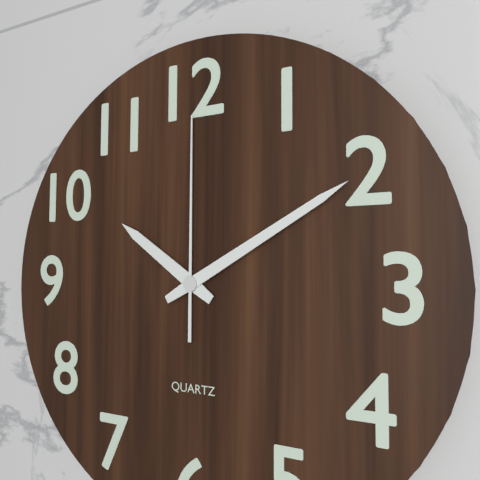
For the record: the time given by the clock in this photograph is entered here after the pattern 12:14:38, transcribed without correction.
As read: 10:10:00
